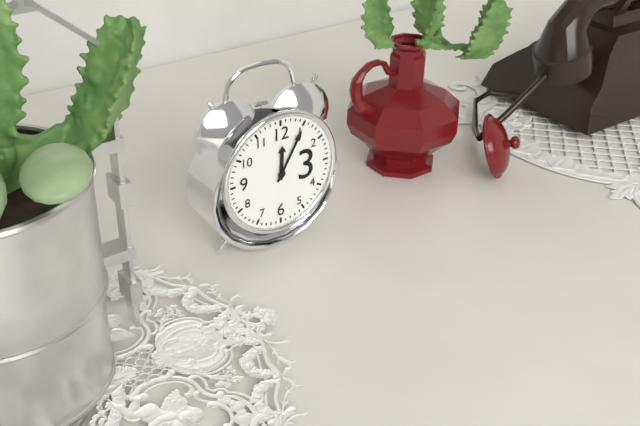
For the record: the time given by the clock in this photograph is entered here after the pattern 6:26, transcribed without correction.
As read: 12:05
